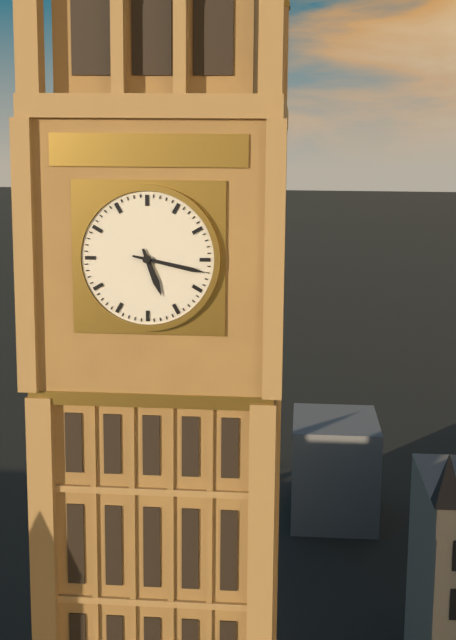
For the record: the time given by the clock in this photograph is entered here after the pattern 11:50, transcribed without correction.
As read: 5:17
